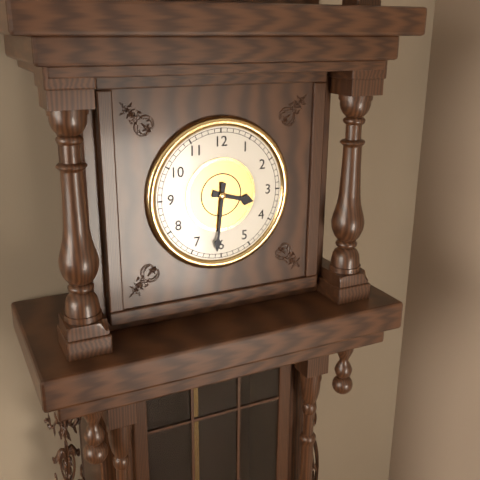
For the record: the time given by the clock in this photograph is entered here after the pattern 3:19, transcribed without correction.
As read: 3:31
